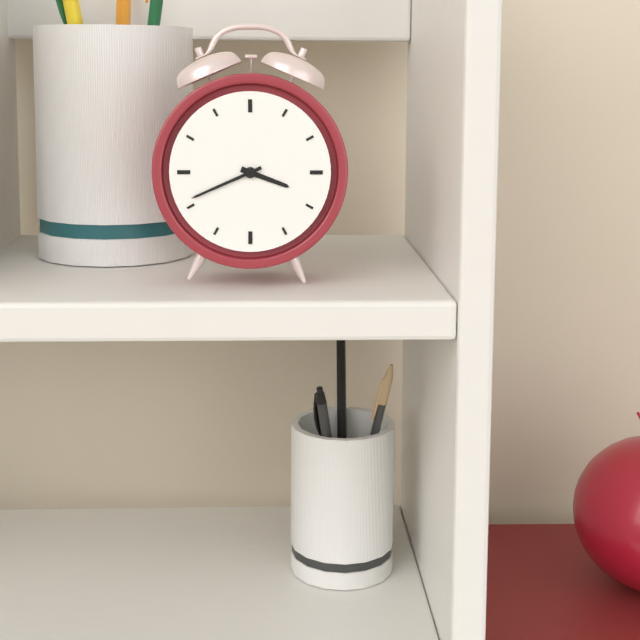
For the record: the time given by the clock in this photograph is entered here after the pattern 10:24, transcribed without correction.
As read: 3:41
